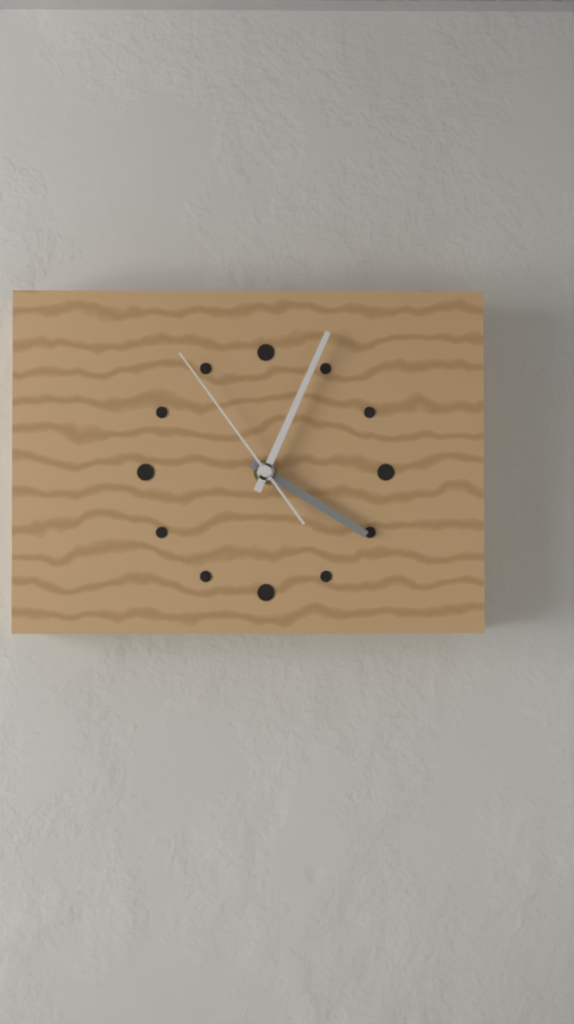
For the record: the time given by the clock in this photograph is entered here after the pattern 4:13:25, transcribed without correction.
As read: 4:04:54
